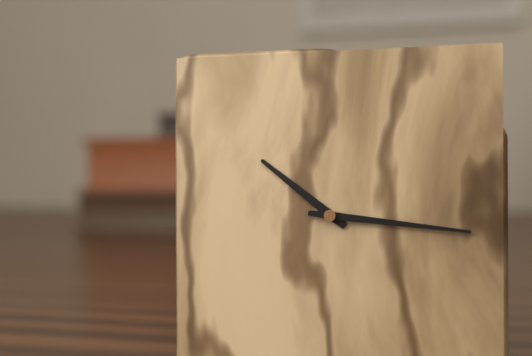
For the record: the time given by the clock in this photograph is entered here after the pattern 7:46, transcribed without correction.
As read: 10:16
